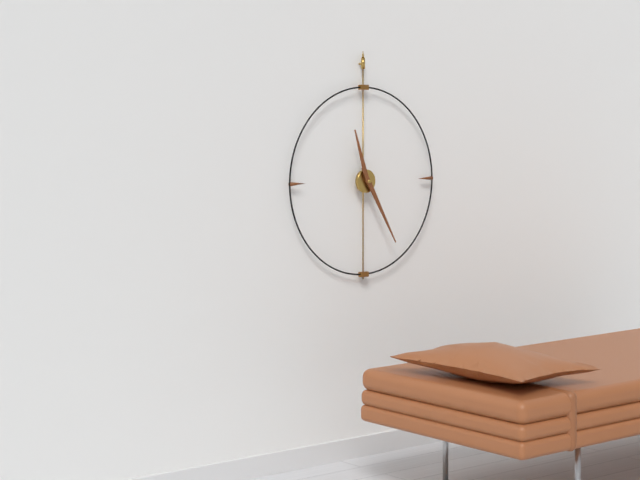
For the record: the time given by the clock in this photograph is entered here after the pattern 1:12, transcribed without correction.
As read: 11:25
